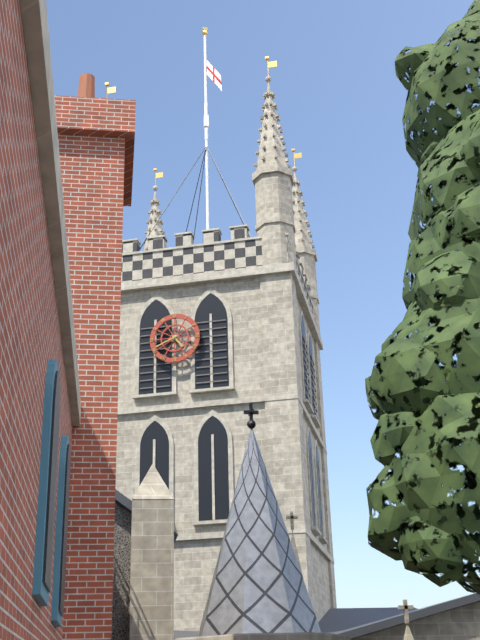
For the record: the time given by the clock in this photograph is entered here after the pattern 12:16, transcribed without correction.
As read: 4:41
